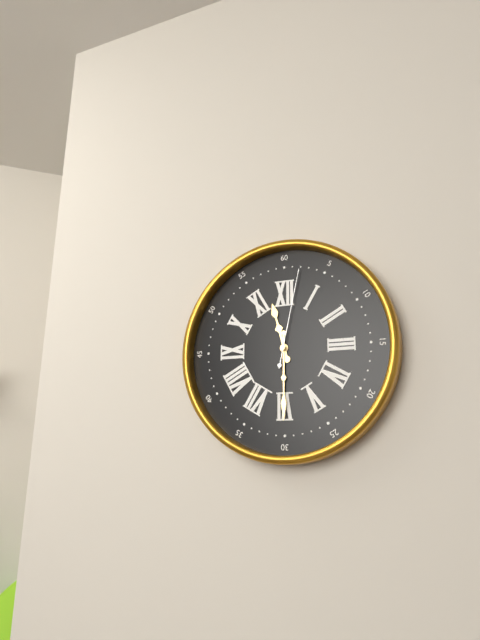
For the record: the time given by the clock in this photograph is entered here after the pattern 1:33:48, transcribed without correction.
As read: 11:30:02
